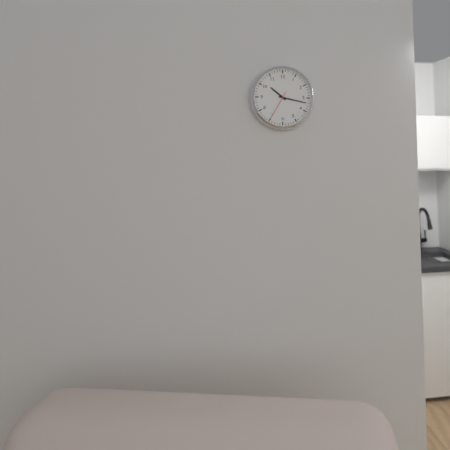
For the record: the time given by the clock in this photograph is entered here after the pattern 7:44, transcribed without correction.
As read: 10:17
